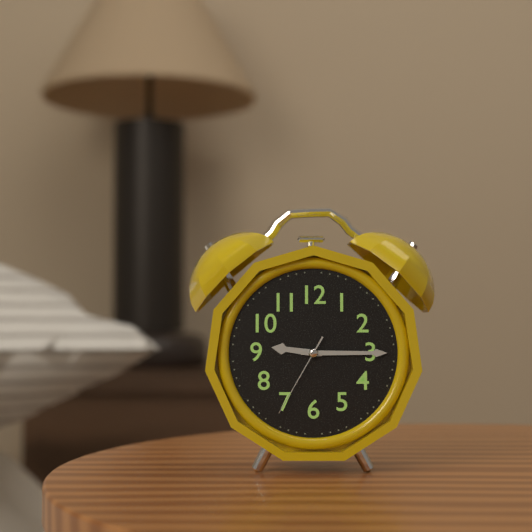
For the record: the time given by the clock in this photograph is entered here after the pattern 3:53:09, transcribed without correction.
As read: 9:15:35
